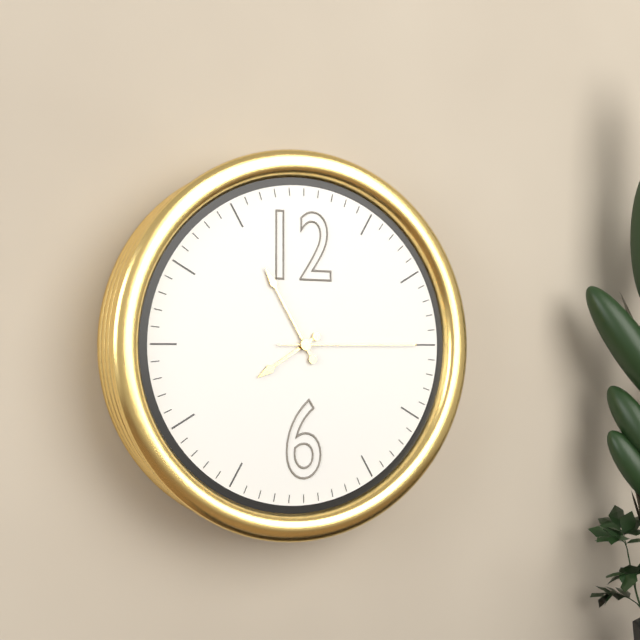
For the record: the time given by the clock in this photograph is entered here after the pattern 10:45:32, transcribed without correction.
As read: 7:55:15
